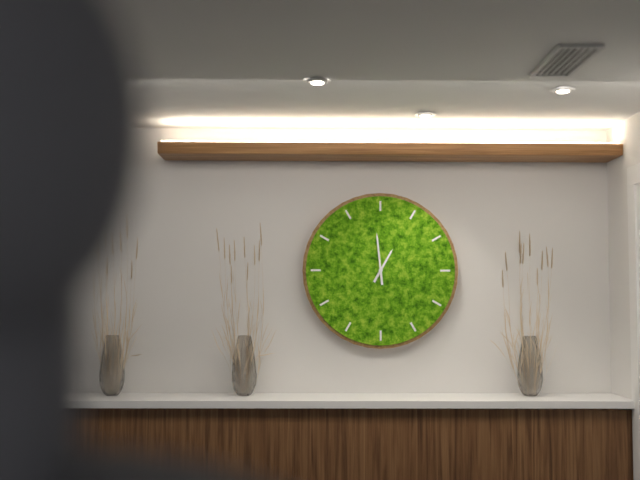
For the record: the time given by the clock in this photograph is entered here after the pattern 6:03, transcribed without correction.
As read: 12:59
